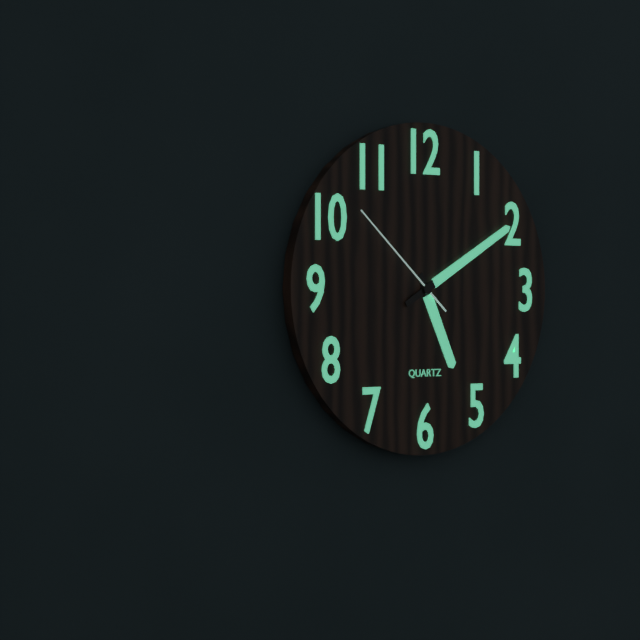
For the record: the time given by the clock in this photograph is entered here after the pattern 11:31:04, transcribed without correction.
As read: 5:10:52
